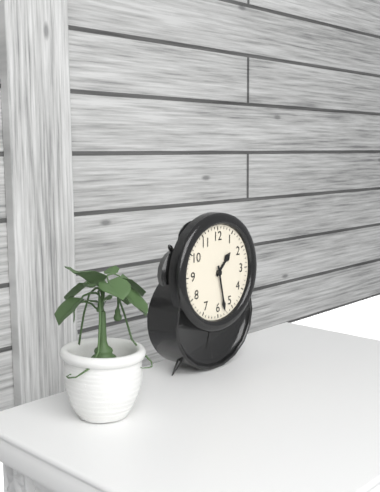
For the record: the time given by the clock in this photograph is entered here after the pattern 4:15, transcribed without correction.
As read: 1:28
